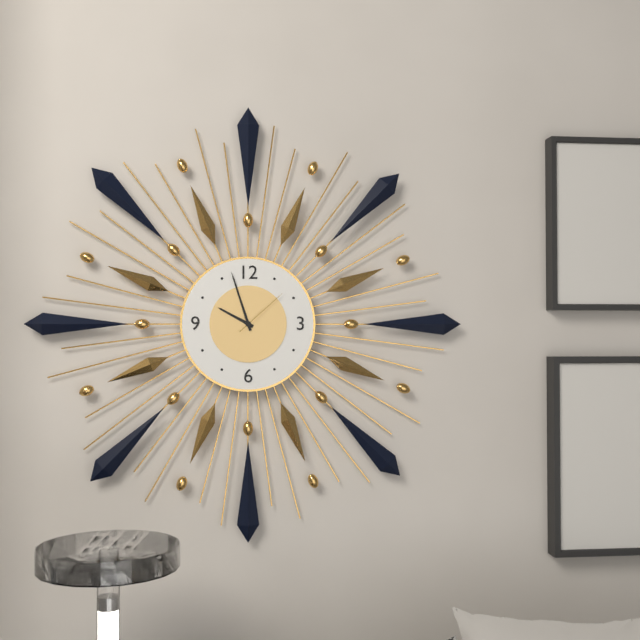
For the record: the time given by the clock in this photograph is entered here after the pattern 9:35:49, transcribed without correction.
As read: 9:57:08
